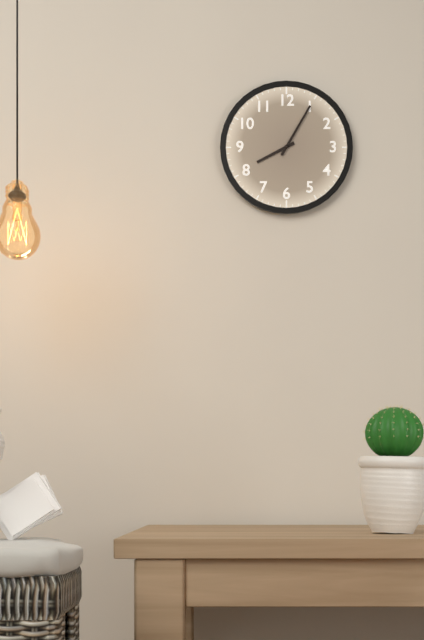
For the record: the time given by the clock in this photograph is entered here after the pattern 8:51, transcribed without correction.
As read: 8:05
